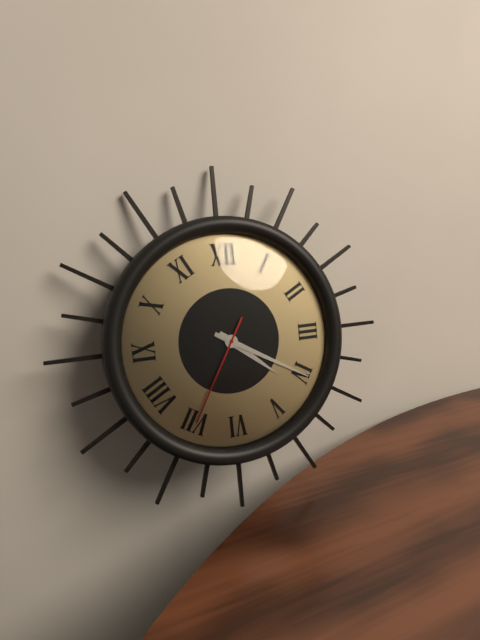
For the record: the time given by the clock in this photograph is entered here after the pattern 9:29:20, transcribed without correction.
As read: 4:20:35
